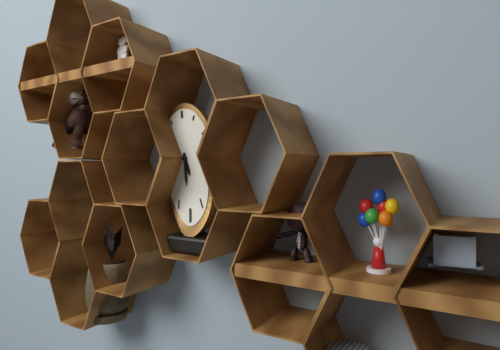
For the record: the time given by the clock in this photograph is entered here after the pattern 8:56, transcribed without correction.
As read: 5:30
